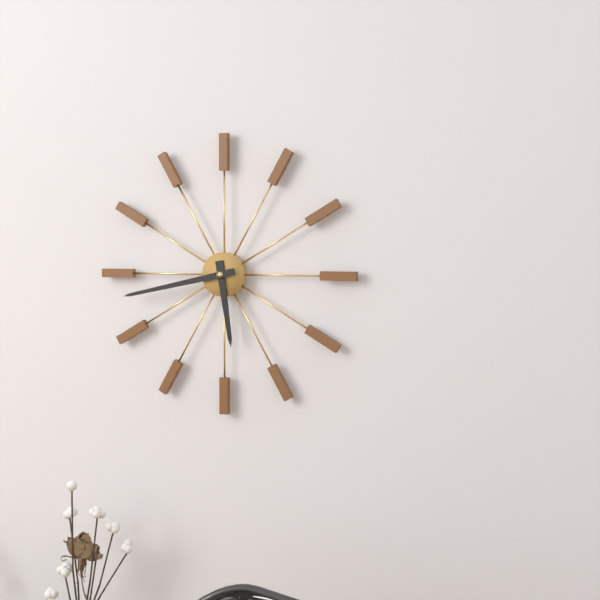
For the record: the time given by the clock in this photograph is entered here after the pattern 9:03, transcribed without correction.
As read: 5:43
